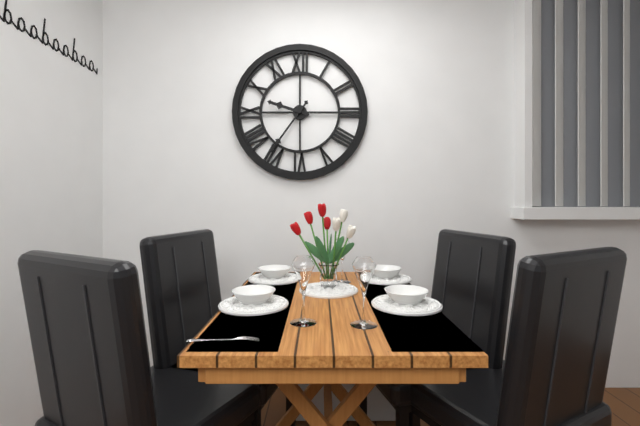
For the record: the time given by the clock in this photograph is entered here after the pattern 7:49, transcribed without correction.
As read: 9:36
